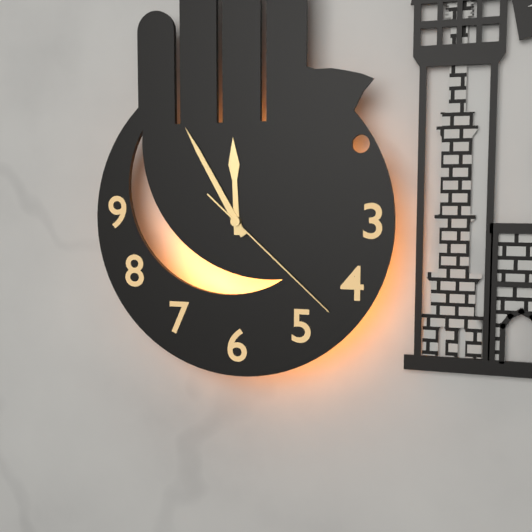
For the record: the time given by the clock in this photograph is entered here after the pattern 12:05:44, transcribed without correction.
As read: 11:55:22
